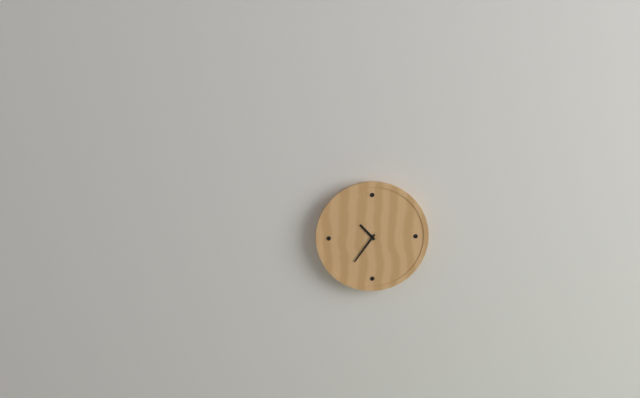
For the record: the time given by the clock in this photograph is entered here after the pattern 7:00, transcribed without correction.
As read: 10:36
